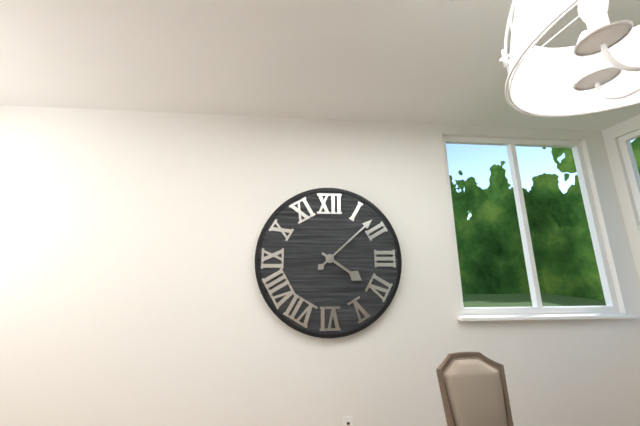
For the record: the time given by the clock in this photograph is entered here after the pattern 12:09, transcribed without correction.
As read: 4:08
